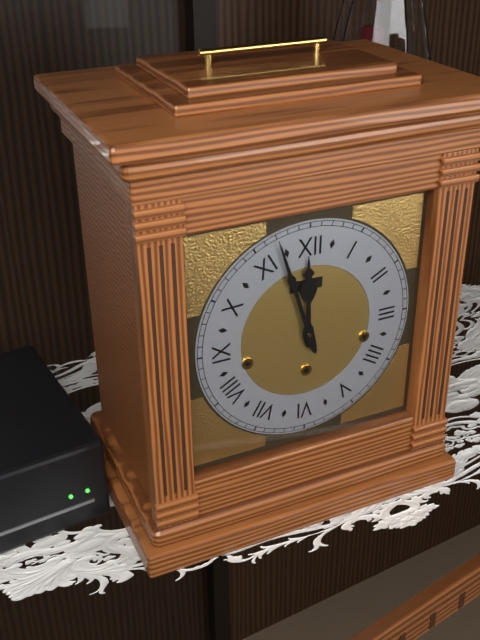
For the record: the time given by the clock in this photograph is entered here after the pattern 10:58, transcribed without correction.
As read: 11:57
